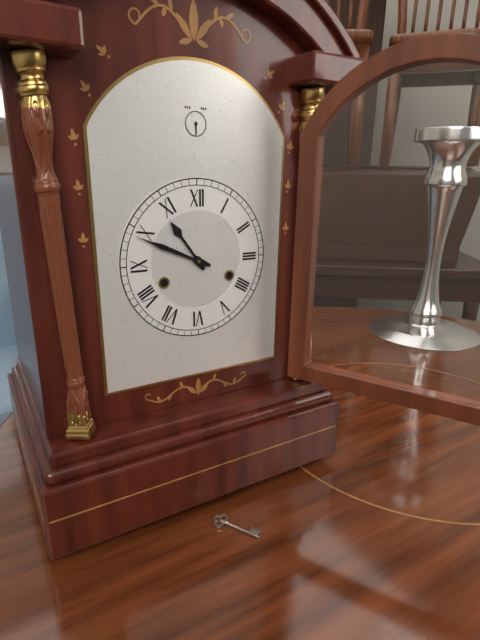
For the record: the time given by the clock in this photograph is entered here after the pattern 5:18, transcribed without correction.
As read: 10:49
